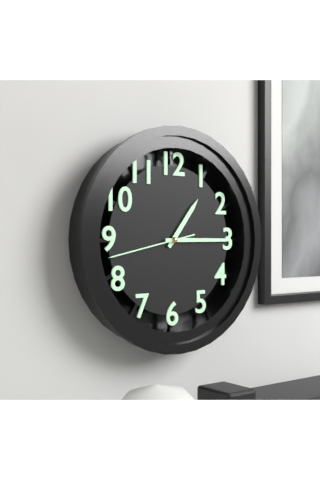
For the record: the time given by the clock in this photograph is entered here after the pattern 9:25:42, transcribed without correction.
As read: 1:15:43
